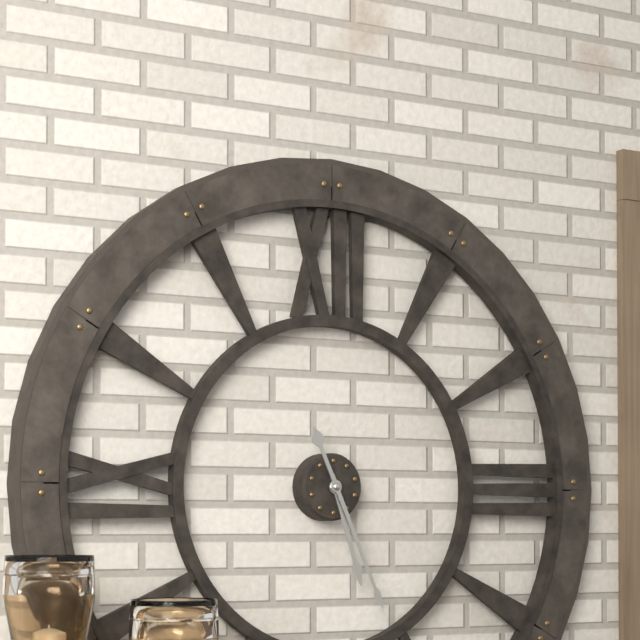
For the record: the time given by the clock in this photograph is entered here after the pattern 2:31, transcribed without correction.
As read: 5:26
